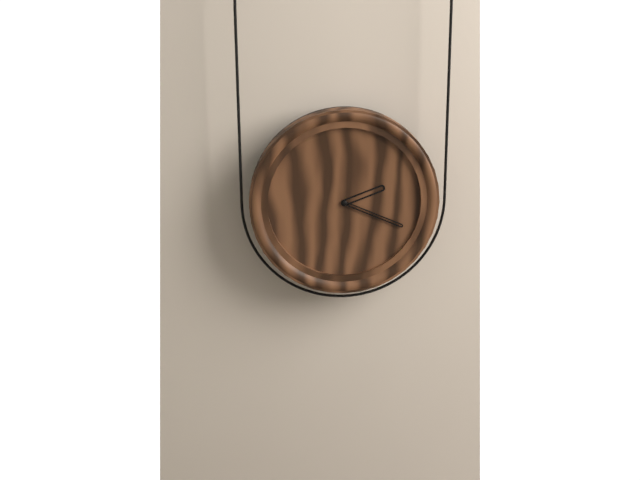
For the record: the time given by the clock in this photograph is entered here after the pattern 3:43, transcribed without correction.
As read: 2:19
